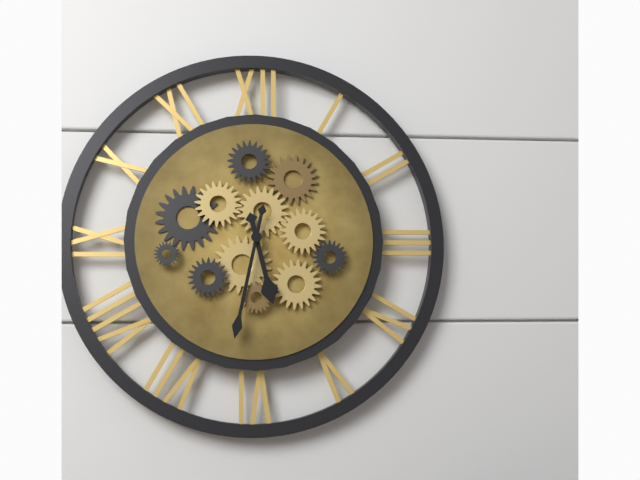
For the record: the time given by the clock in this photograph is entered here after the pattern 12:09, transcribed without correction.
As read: 5:32
